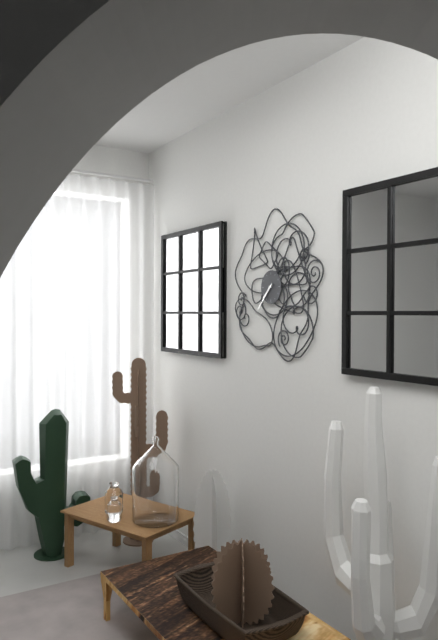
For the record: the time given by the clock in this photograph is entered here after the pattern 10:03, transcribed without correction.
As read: 7:37
